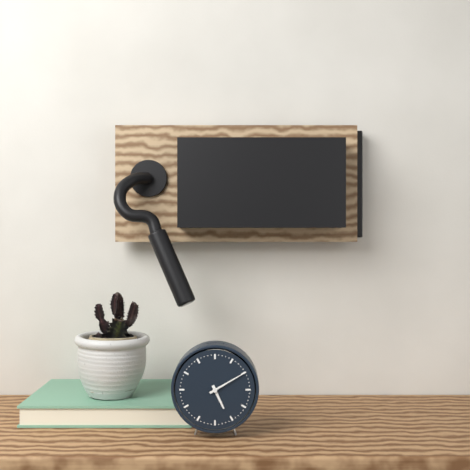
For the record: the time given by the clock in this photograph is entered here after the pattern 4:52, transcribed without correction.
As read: 5:10
